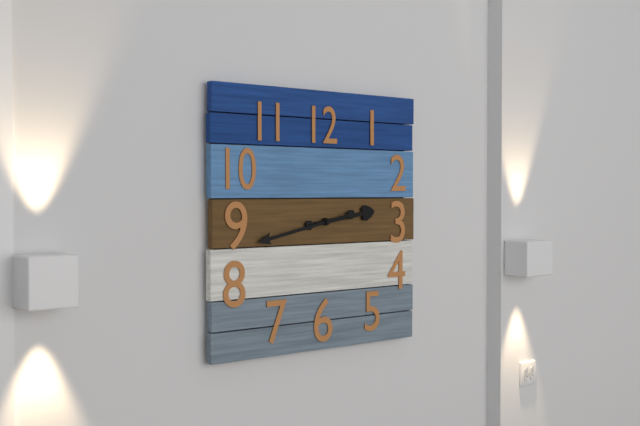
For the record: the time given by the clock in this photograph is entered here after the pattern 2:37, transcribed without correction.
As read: 2:43
